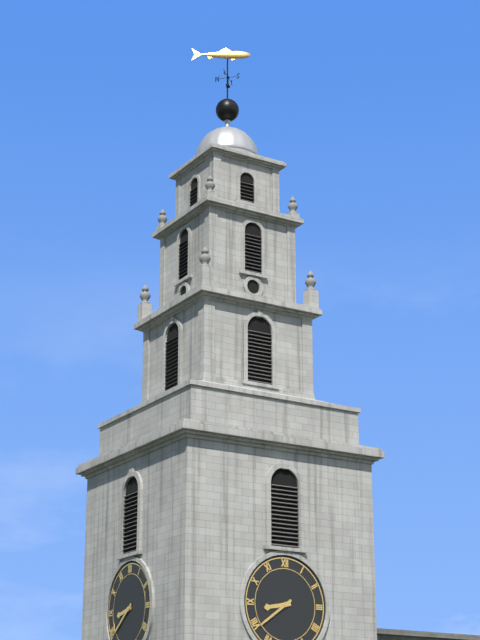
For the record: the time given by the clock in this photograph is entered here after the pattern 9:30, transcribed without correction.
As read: 8:39
